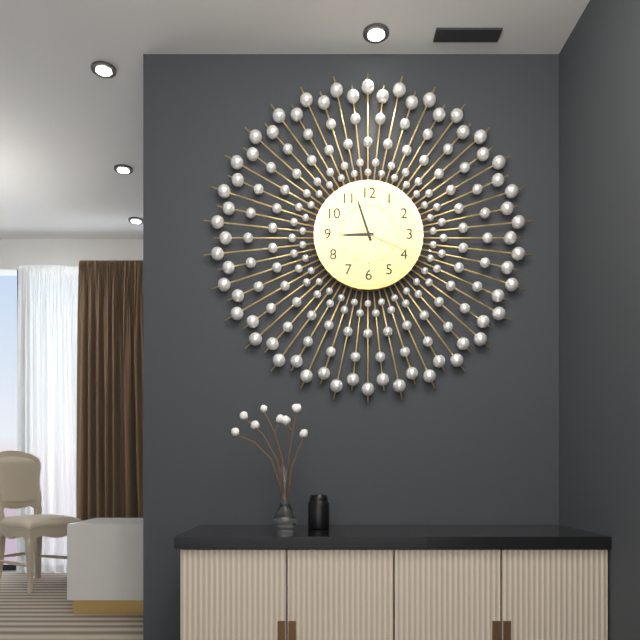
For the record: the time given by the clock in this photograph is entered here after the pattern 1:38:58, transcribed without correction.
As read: 8:57:19
